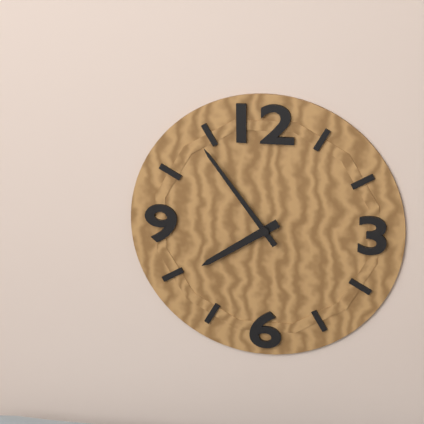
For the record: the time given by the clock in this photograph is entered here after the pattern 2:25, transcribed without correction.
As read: 7:54
